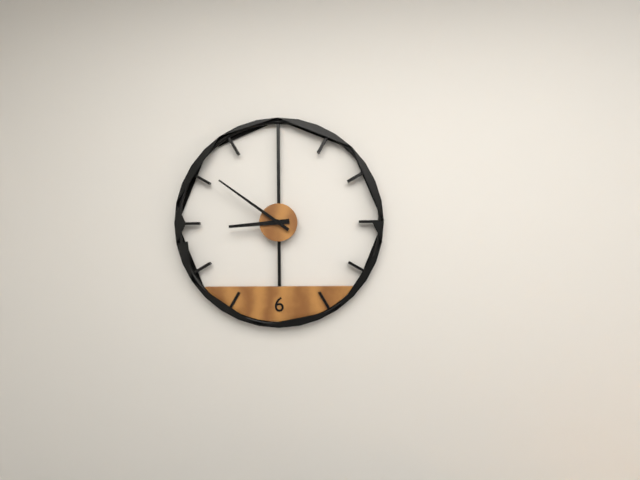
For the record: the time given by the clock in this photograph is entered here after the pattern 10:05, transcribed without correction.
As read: 8:51
